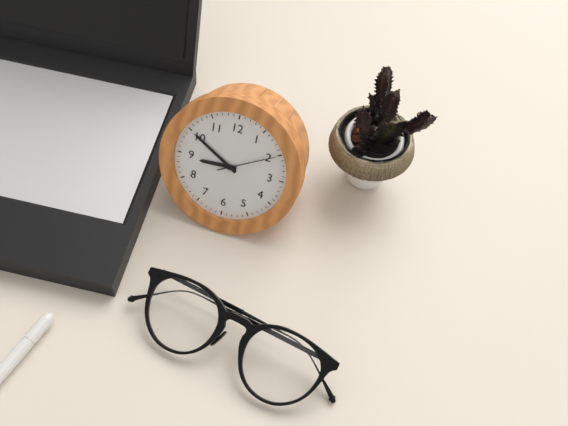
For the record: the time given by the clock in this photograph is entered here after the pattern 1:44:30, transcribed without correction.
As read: 8:50:10
